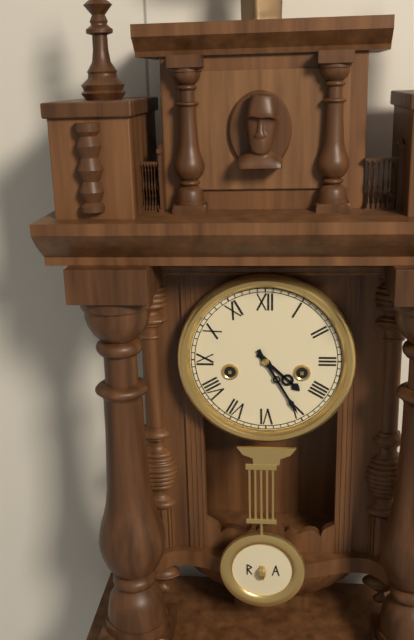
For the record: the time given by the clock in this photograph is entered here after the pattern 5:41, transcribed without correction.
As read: 4:25
